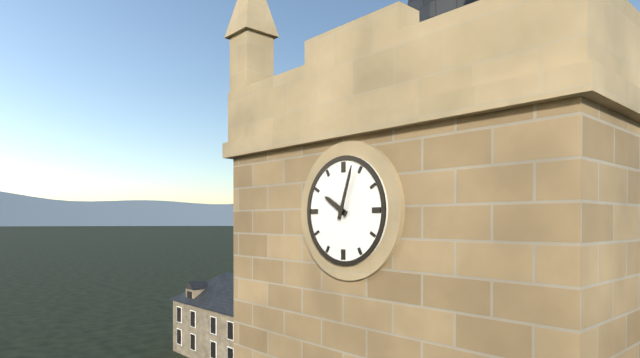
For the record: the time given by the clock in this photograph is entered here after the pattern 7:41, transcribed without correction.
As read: 10:03
